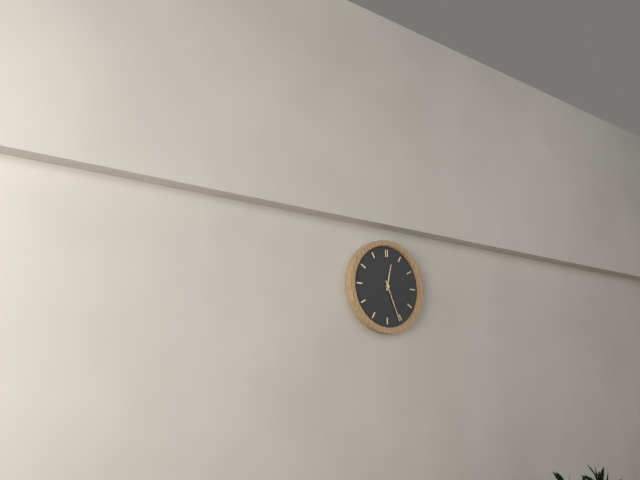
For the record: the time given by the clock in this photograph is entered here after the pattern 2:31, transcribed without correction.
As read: 12:26
